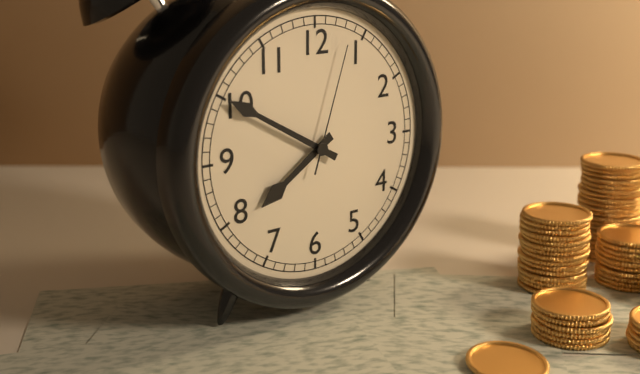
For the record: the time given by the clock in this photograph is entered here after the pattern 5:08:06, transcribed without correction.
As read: 7:50:03
